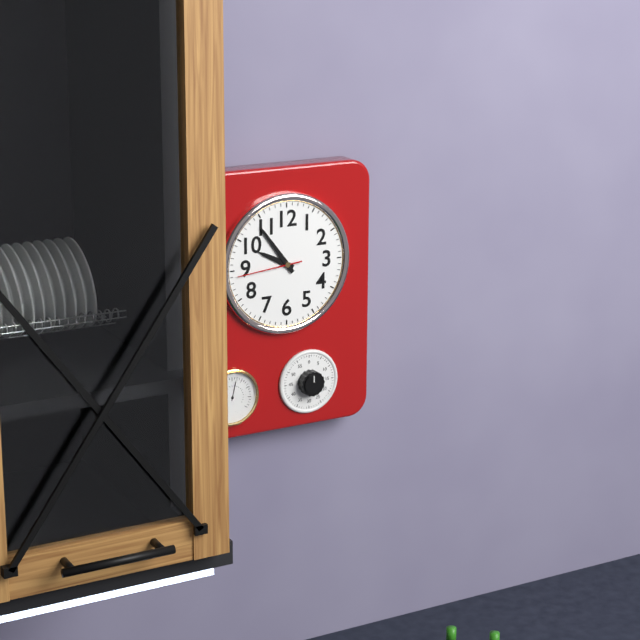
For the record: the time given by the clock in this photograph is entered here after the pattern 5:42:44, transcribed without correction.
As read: 9:54:44
